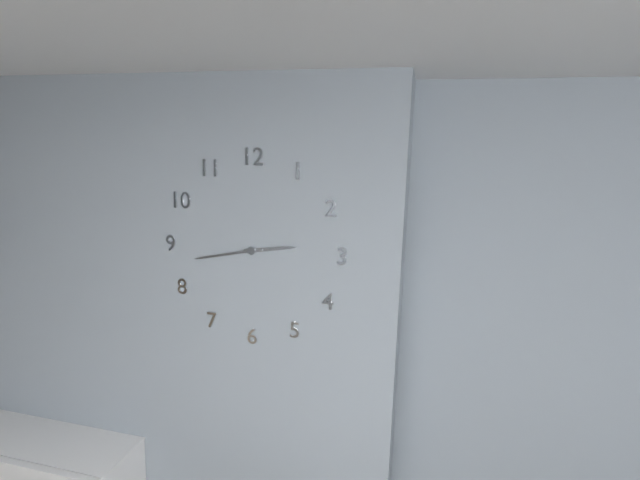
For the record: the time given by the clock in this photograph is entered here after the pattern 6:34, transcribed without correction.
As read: 2:43
